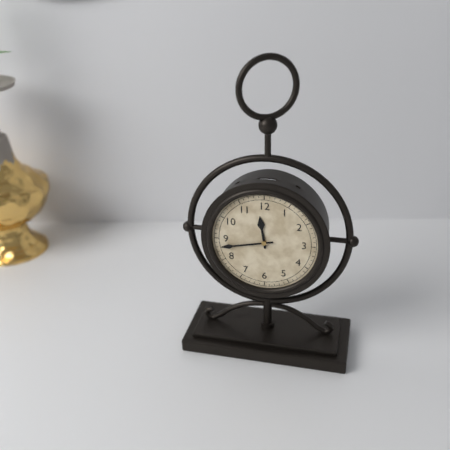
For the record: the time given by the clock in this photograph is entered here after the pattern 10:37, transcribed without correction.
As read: 11:43
